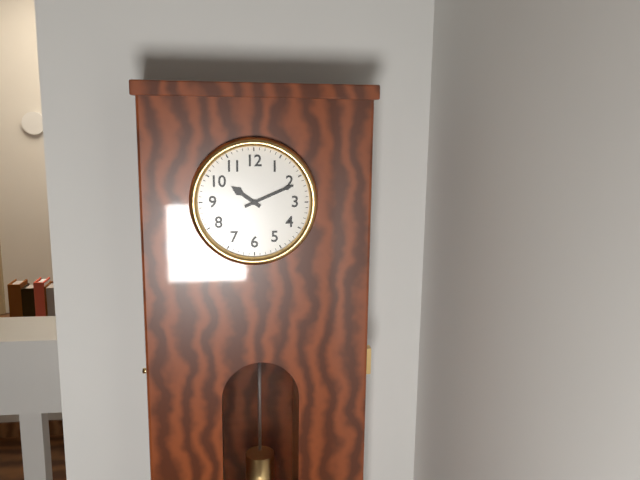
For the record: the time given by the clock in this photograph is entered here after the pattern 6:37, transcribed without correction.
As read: 10:11
